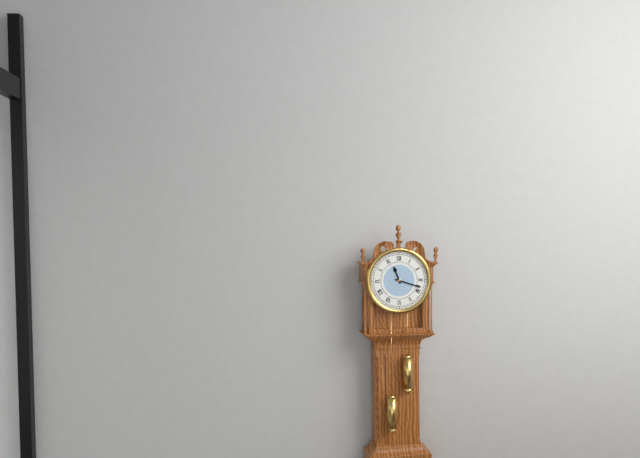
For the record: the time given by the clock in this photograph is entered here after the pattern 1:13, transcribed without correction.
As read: 11:18
